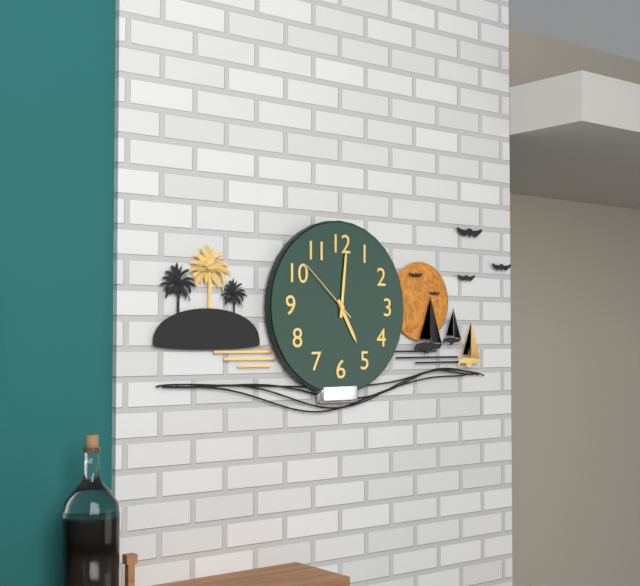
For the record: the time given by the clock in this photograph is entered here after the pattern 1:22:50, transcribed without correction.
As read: 5:01:52
